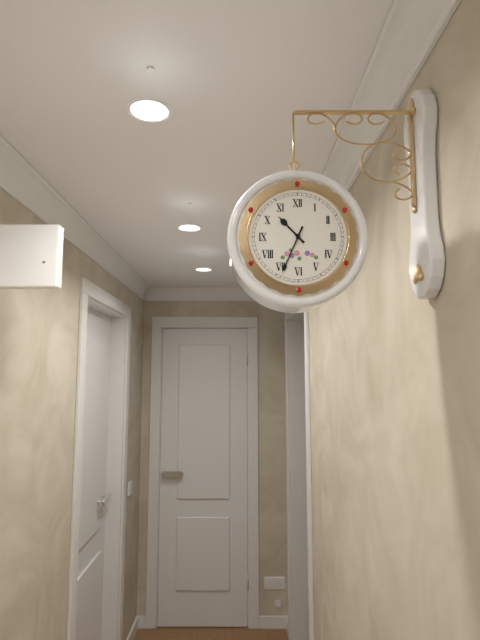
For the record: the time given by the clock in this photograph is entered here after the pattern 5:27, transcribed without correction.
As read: 10:34
